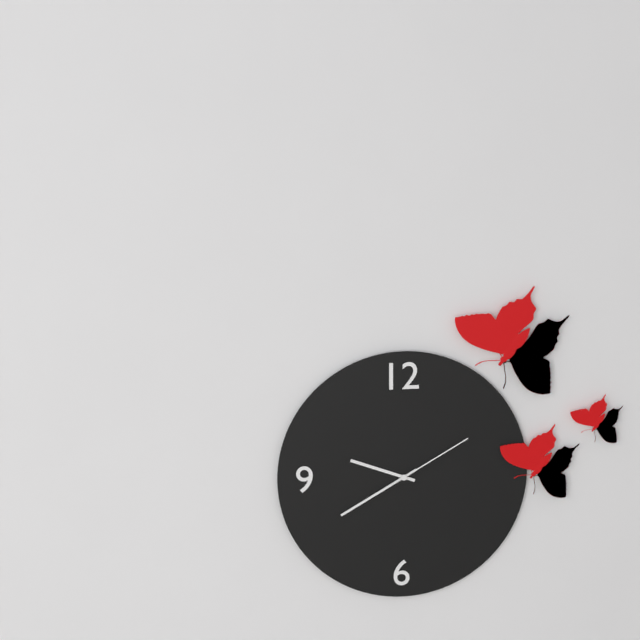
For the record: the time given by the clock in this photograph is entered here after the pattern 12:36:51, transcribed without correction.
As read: 9:40:10
